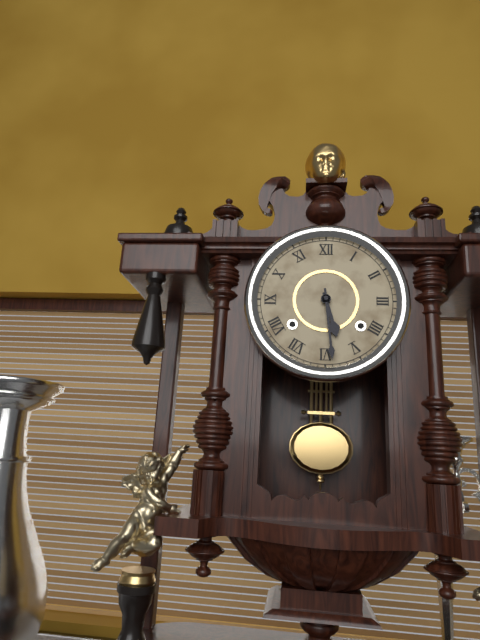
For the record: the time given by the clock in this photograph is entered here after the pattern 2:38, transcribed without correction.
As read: 5:29
